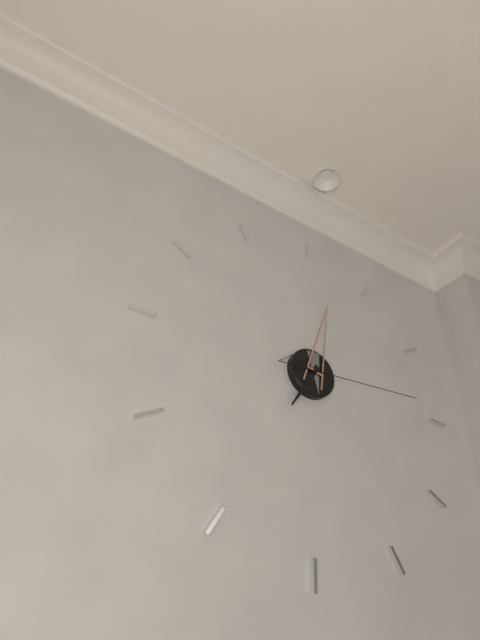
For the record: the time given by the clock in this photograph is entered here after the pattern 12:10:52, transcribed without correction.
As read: 7:02:14
